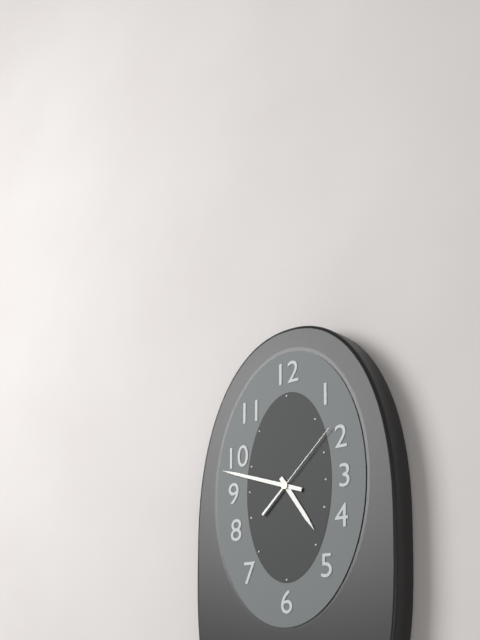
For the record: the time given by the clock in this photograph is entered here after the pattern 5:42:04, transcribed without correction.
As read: 4:48:08
